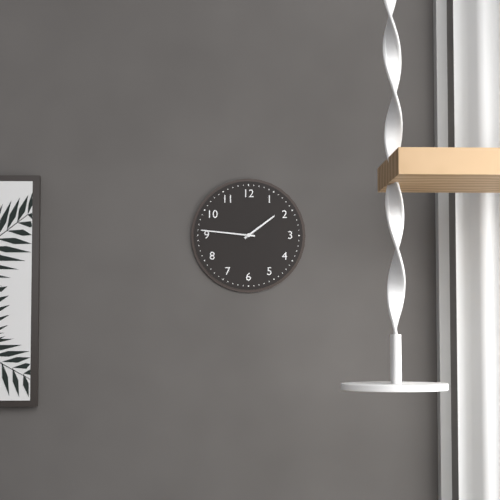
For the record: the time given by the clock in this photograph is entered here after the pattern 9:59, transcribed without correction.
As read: 1:46
